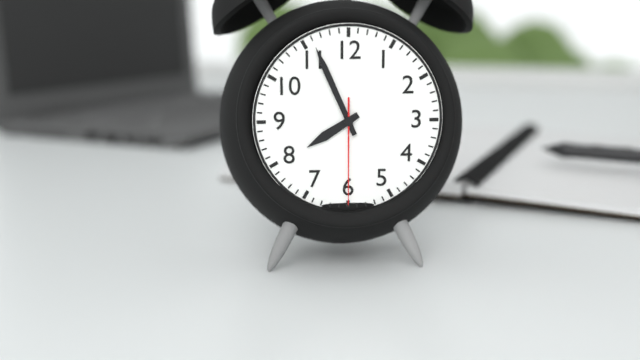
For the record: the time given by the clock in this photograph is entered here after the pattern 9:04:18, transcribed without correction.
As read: 7:56:30
